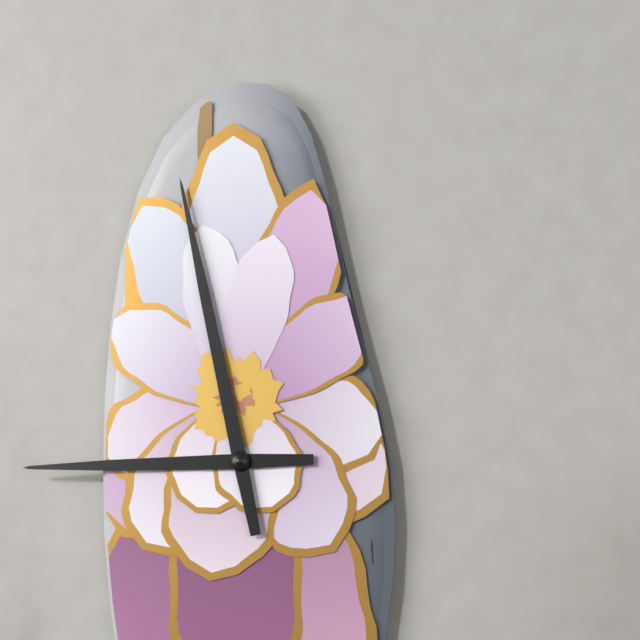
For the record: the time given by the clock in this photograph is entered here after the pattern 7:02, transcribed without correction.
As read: 8:58
